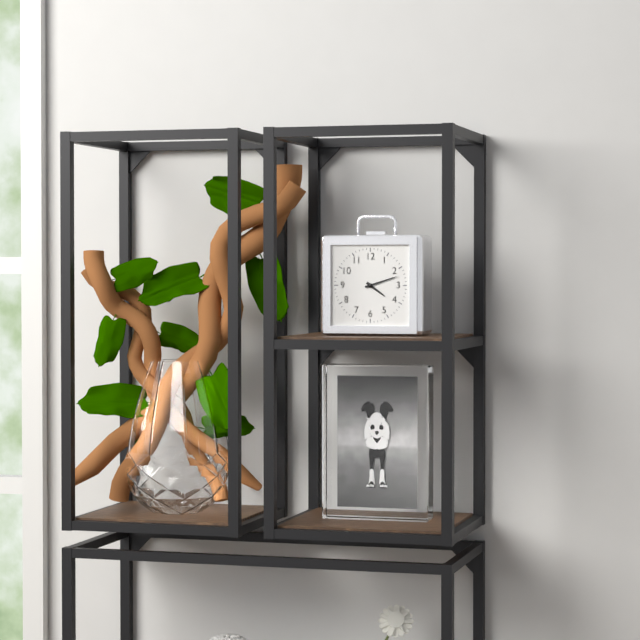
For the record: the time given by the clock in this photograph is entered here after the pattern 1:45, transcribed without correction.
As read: 4:12
